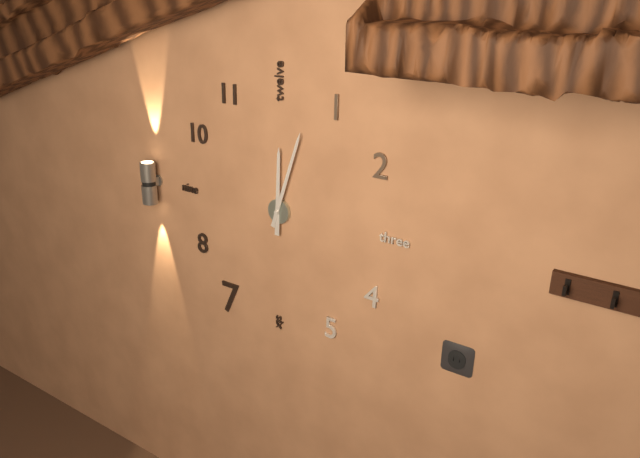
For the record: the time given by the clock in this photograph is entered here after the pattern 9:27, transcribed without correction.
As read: 12:03
